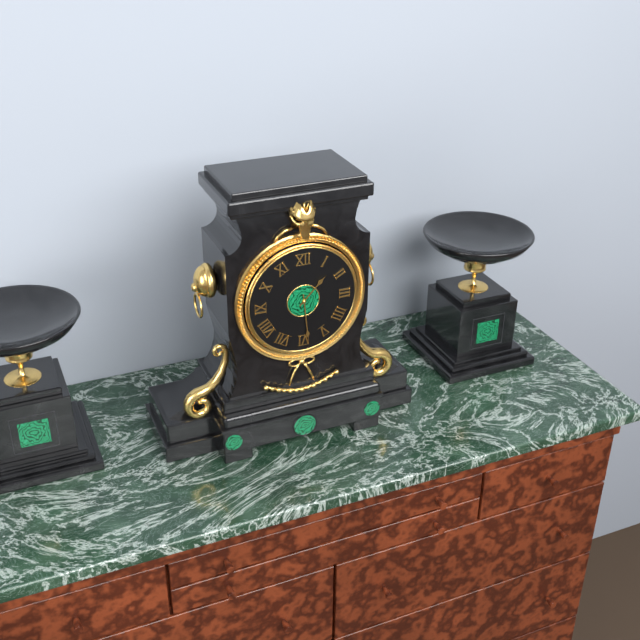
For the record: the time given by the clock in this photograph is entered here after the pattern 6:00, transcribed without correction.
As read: 1:29
